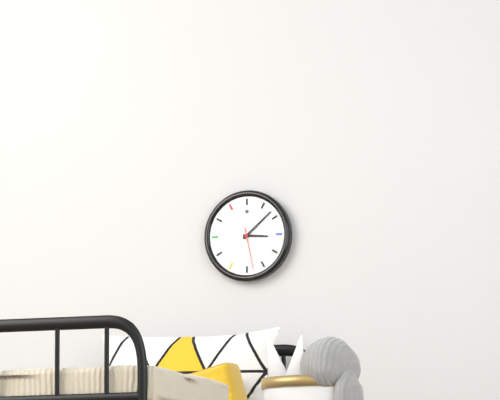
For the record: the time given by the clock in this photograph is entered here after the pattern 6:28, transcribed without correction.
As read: 3:08
